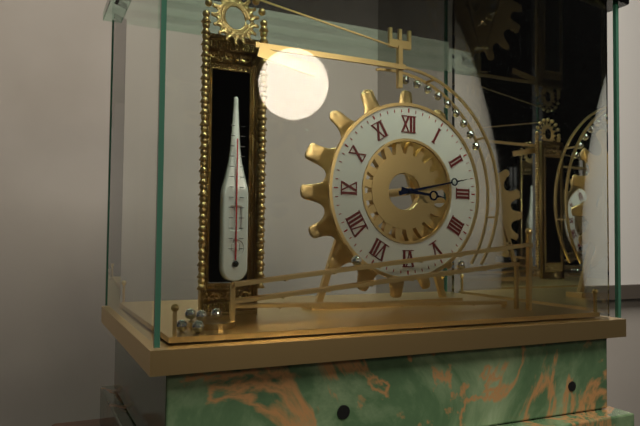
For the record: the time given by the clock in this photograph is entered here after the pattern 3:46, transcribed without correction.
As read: 3:13
